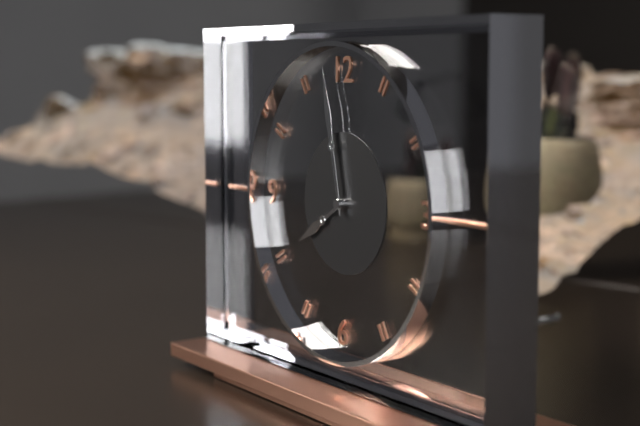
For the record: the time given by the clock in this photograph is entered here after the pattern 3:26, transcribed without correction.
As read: 7:58
